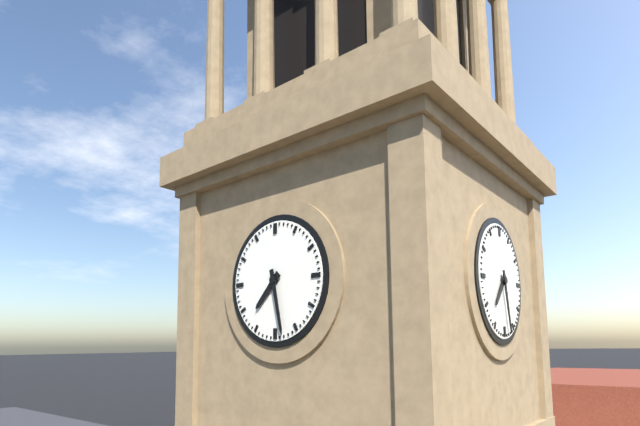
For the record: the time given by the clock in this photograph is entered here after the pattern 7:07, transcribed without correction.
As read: 7:28
